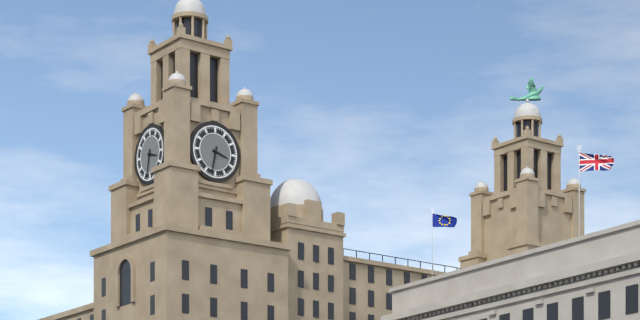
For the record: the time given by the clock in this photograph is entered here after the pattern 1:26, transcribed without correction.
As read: 3:32
